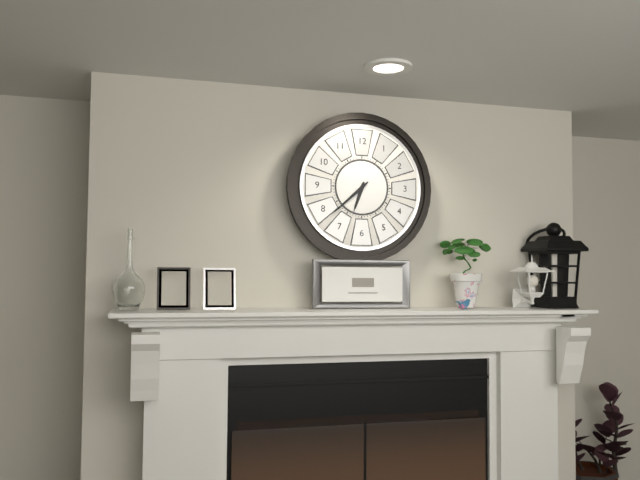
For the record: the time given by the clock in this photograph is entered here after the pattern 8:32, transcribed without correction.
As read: 6:38
